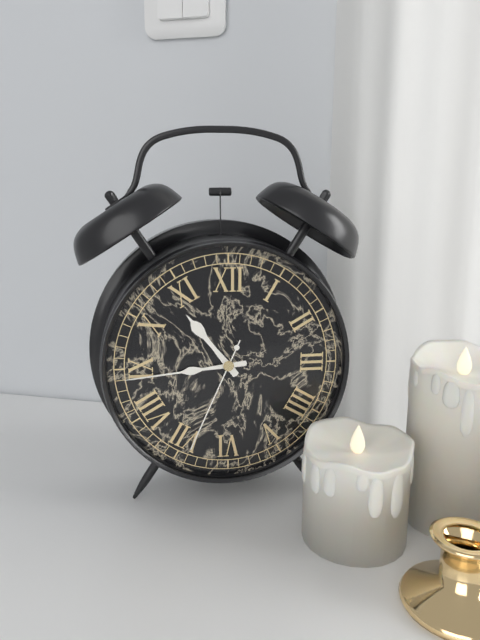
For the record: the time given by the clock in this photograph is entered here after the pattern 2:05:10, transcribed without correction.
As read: 10:44:34
